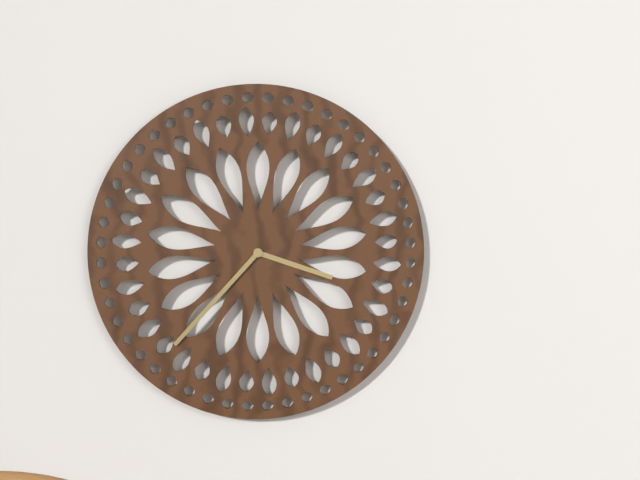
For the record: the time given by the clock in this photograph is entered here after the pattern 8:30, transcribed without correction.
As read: 3:37
